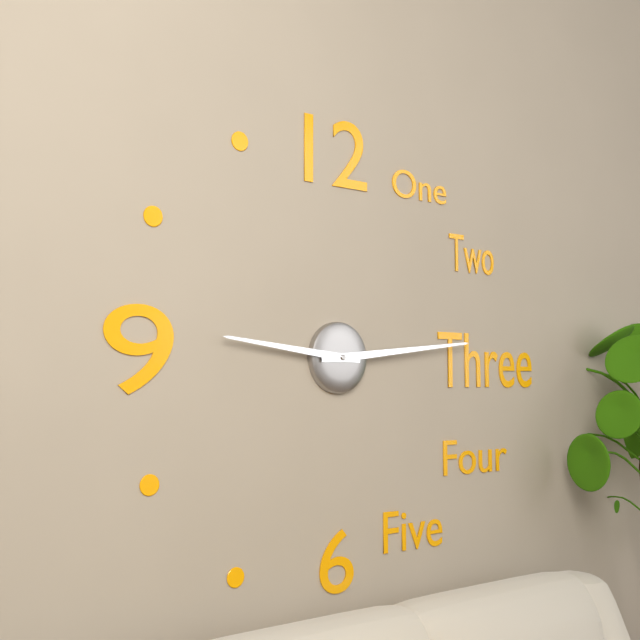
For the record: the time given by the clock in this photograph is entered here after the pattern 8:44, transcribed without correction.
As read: 9:14
